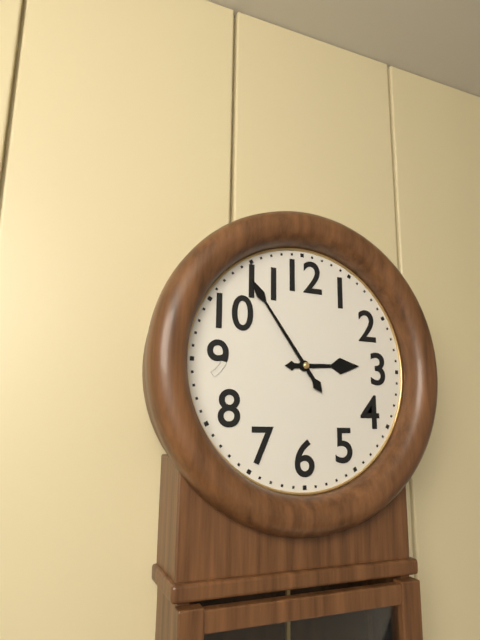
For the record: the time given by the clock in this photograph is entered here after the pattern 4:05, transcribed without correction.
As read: 2:54
